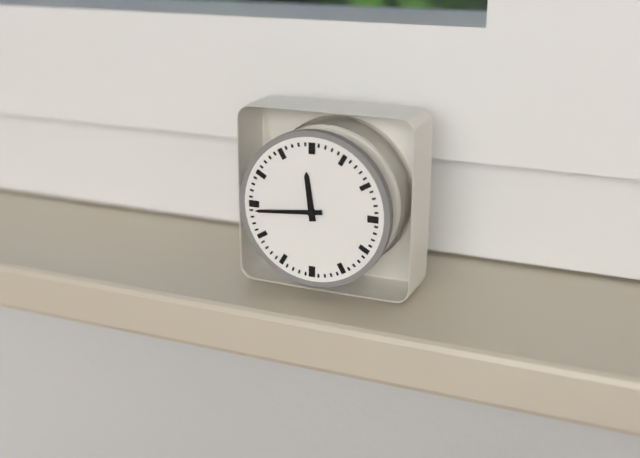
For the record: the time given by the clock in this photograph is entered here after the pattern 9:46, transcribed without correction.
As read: 11:44
